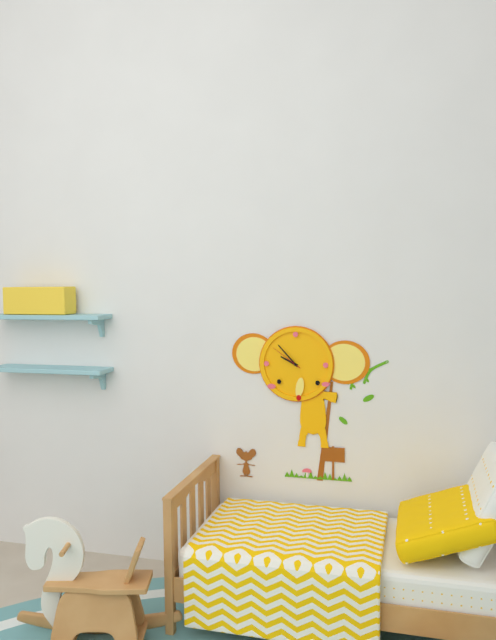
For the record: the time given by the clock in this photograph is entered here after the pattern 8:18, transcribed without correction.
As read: 9:53
